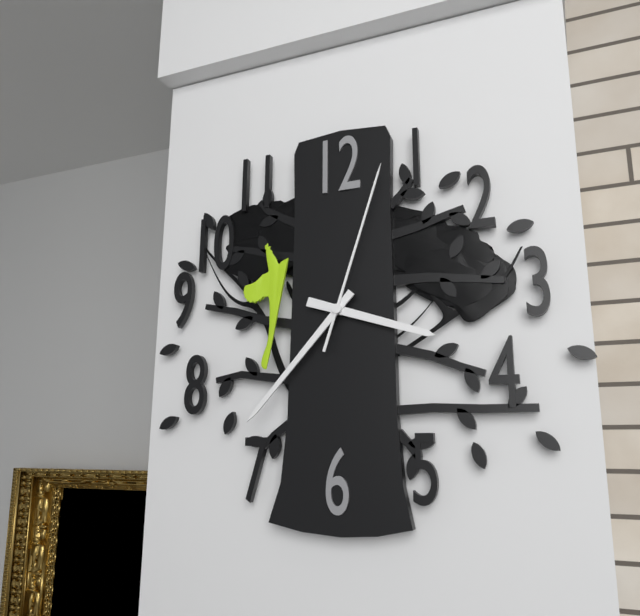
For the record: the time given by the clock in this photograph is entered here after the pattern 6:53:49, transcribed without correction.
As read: 3:37:03
